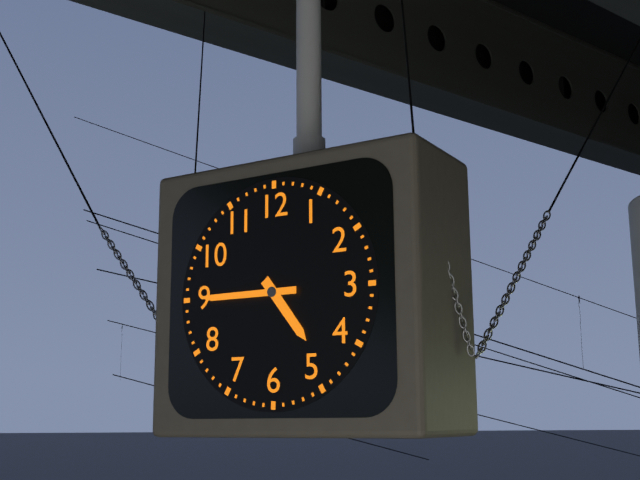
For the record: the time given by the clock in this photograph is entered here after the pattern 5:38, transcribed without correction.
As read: 4:45
